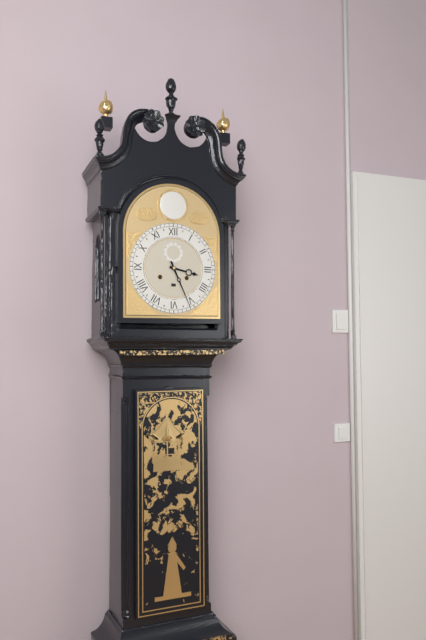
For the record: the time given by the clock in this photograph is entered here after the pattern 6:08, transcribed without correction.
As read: 3:26
